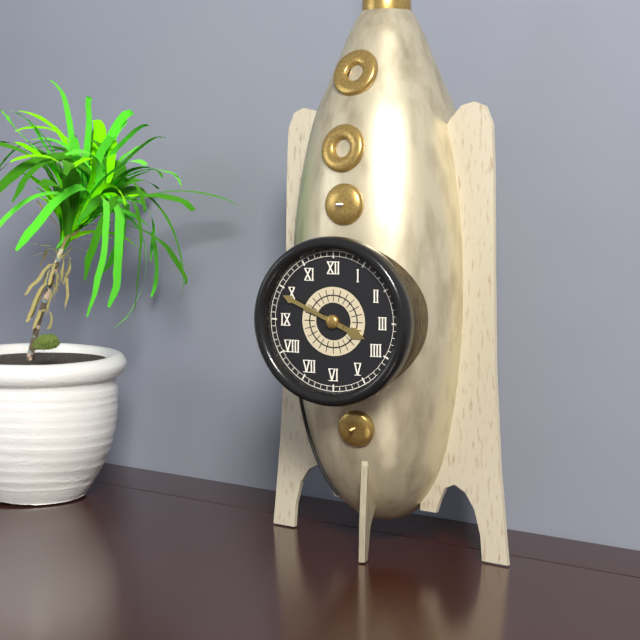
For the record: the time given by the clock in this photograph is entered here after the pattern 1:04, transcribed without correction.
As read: 3:49
